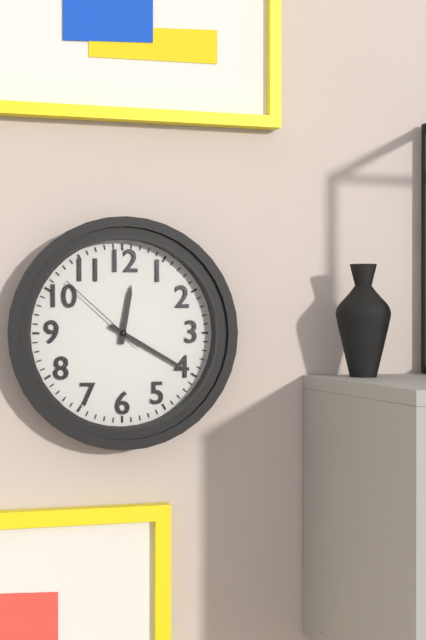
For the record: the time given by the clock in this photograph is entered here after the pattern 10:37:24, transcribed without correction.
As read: 12:20:52
